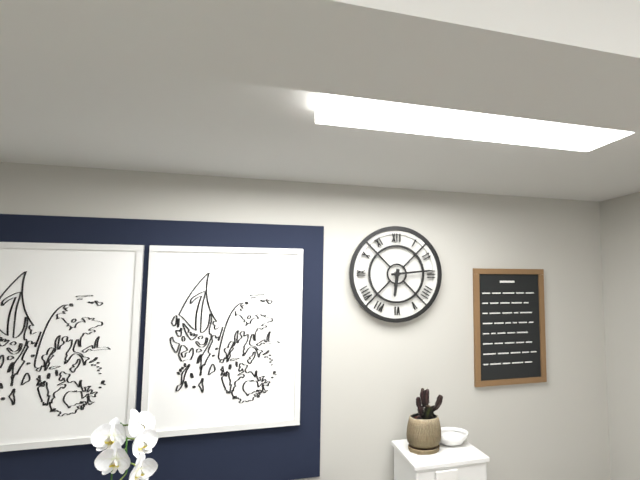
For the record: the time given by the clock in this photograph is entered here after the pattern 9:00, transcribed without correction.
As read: 6:14
